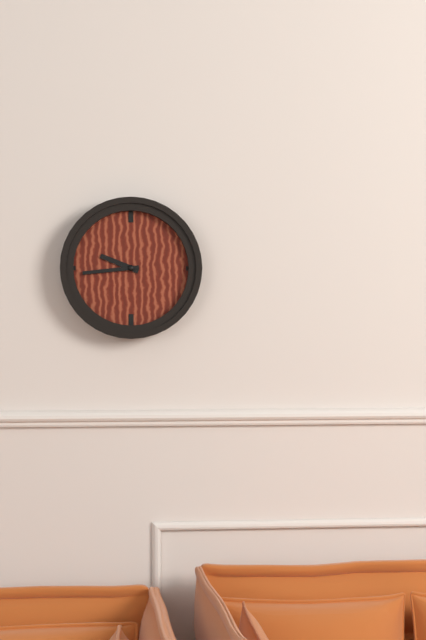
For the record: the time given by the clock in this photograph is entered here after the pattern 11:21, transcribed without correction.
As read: 9:44
